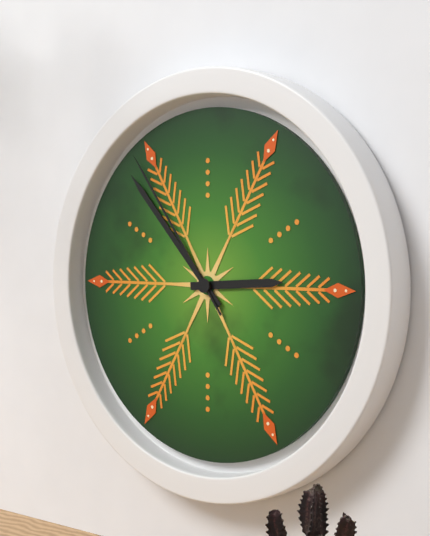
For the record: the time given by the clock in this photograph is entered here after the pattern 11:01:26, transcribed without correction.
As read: 2:53:54
